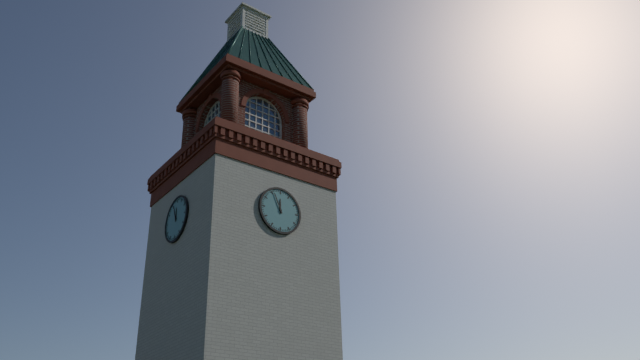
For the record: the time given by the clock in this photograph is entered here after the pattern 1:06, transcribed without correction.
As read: 11:56
